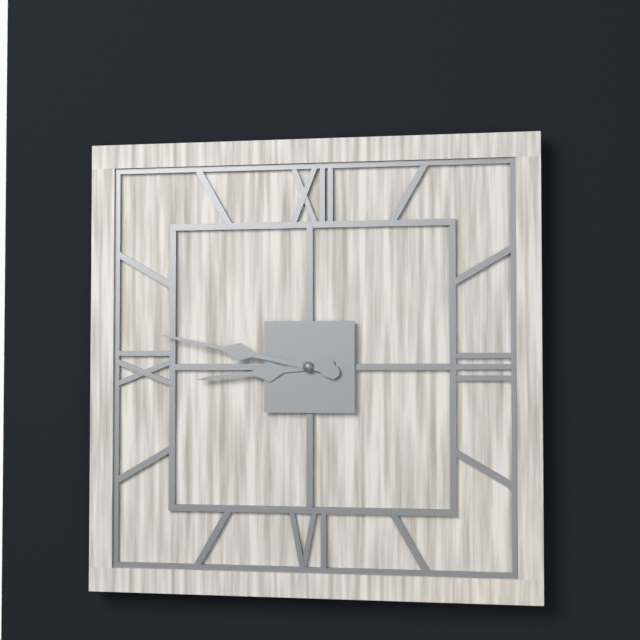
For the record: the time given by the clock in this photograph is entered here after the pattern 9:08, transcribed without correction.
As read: 8:47
